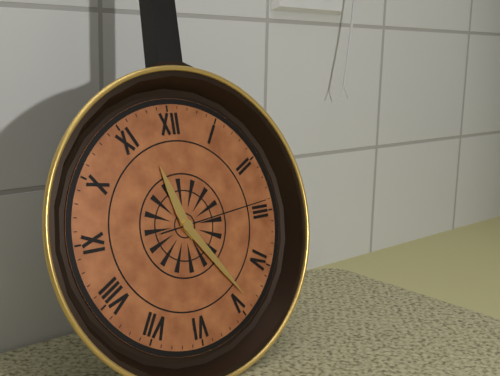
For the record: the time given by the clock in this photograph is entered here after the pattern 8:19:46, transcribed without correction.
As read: 11:24:14
